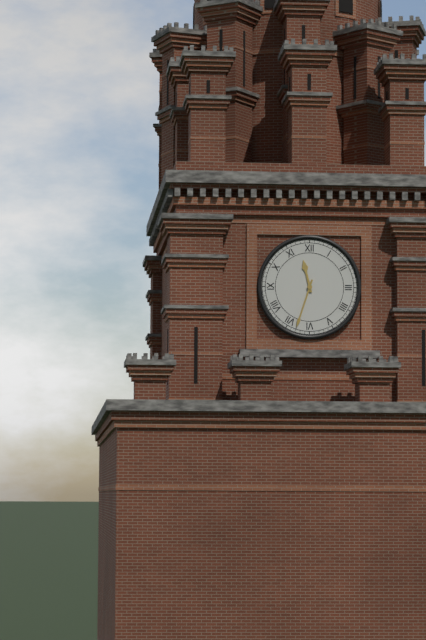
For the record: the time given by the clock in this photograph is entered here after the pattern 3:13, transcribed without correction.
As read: 11:33
